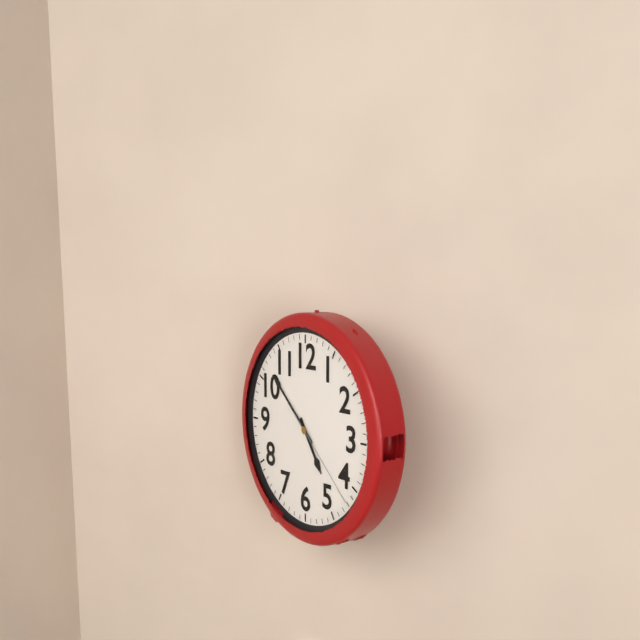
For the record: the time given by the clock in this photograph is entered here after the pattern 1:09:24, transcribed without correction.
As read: 4:52:22
